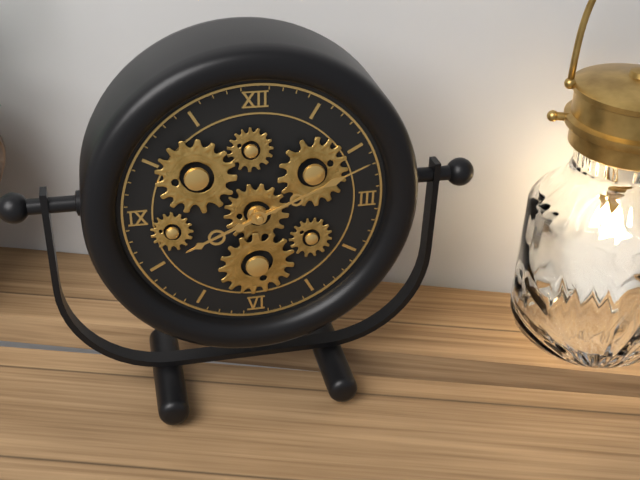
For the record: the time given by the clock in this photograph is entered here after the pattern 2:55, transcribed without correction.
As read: 8:11
